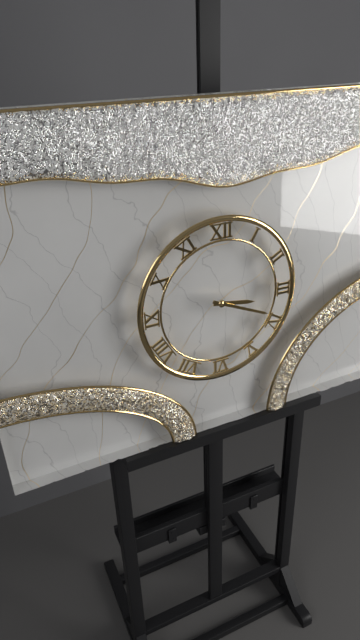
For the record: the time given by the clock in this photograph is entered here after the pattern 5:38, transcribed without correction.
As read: 3:19
